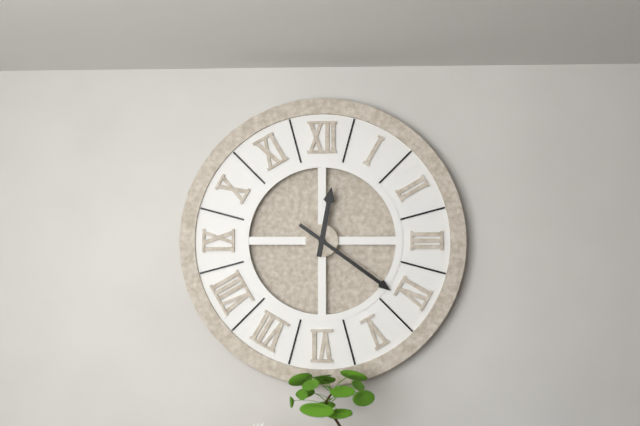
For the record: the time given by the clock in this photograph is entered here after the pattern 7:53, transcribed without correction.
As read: 12:21
